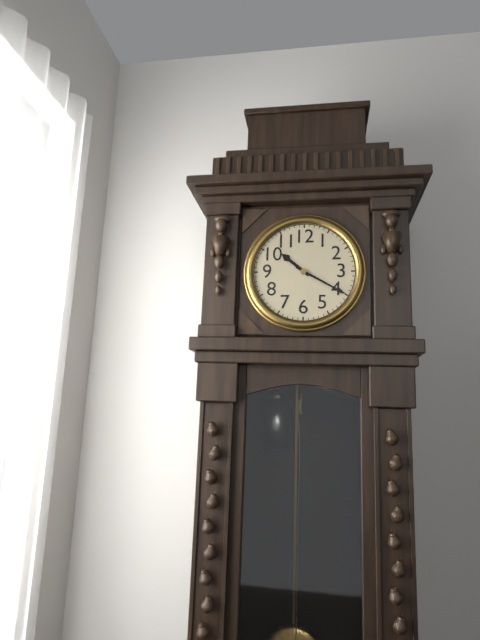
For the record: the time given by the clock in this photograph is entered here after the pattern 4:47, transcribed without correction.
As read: 10:20
